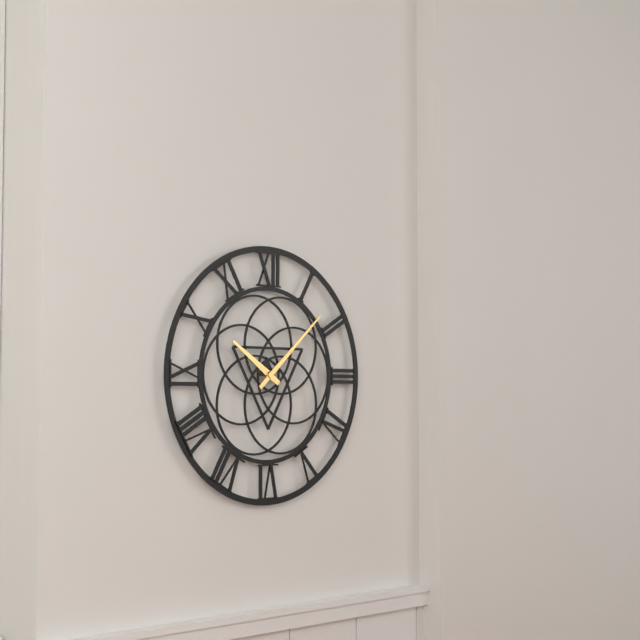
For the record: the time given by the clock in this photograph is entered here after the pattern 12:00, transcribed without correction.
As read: 10:08
